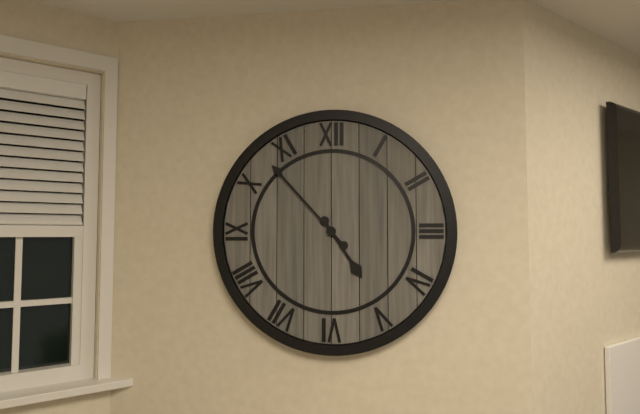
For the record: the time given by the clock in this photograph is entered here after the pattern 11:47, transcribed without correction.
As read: 4:53
